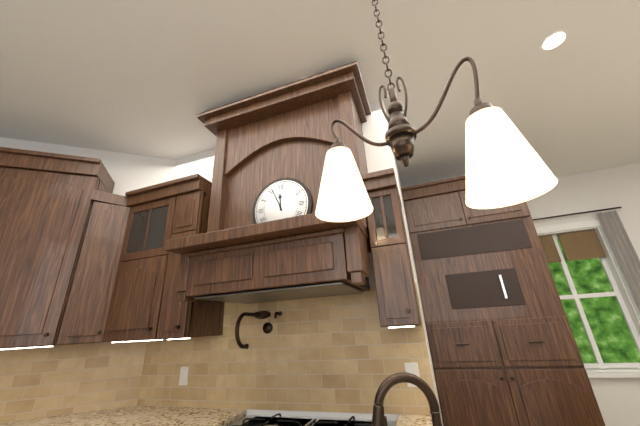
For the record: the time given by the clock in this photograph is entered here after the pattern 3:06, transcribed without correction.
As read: 11:56
